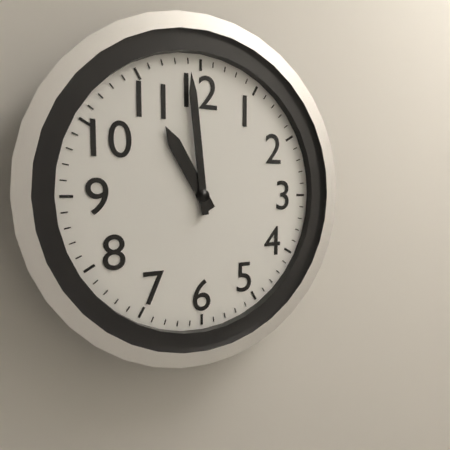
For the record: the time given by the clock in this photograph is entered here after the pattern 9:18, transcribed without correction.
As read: 10:59
